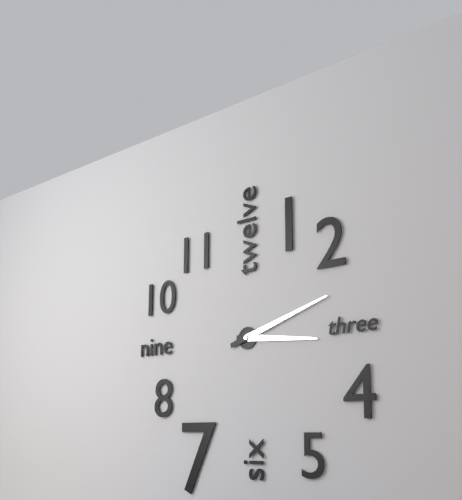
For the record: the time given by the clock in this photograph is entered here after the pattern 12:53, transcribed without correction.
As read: 3:12
